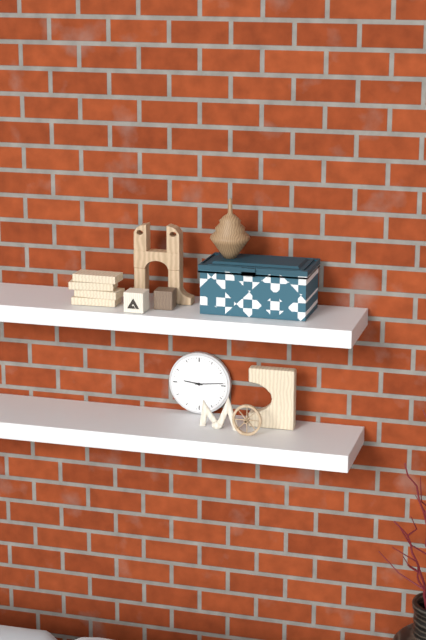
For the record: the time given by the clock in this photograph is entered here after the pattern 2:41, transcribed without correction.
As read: 9:14
